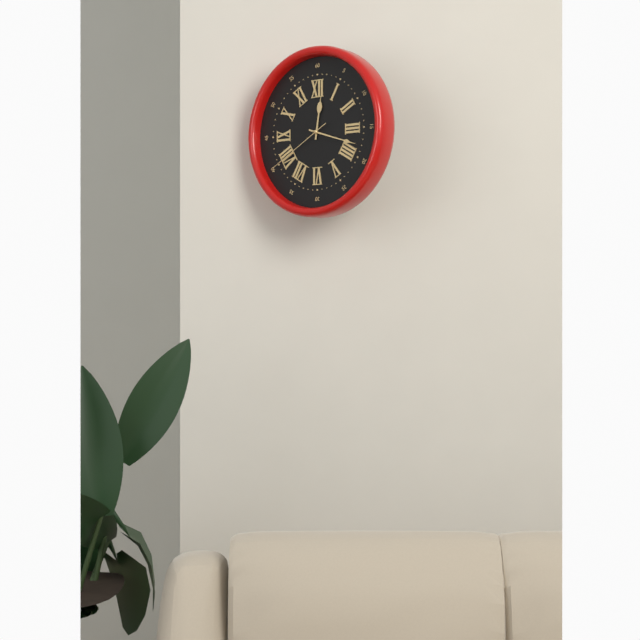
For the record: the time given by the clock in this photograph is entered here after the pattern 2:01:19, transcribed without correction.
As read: 12:18:40
